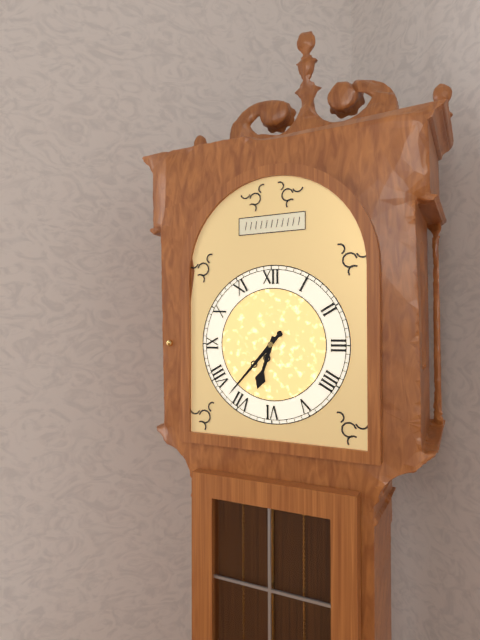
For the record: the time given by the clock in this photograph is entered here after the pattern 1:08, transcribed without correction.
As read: 6:37
